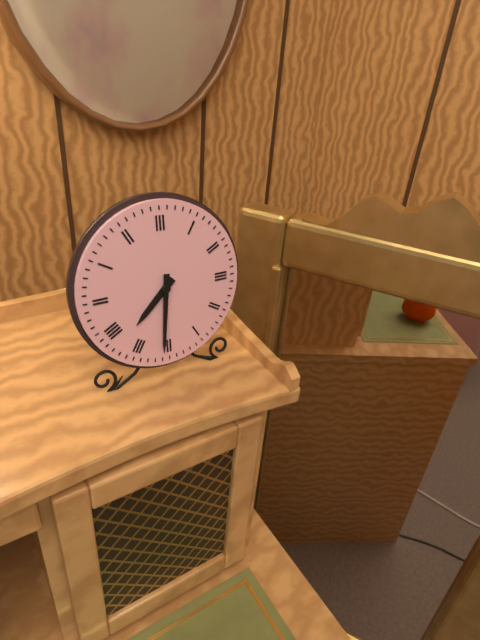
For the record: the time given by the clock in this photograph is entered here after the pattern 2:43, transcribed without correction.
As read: 7:31
